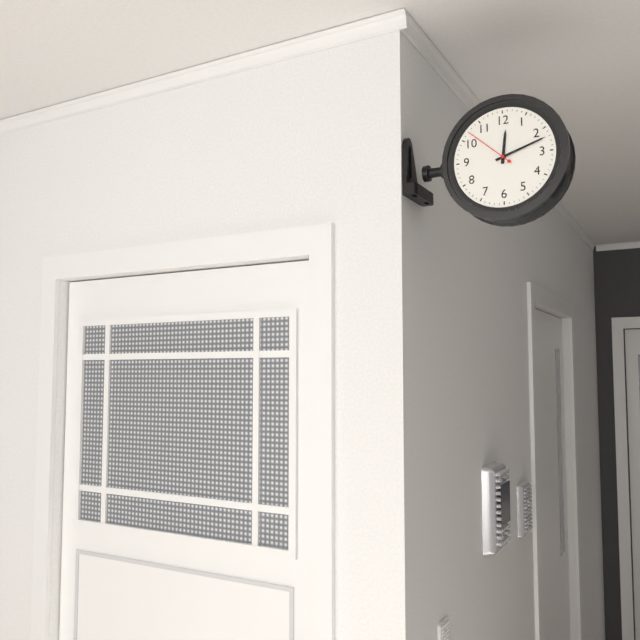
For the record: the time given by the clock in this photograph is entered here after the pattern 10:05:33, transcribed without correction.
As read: 12:12:52
